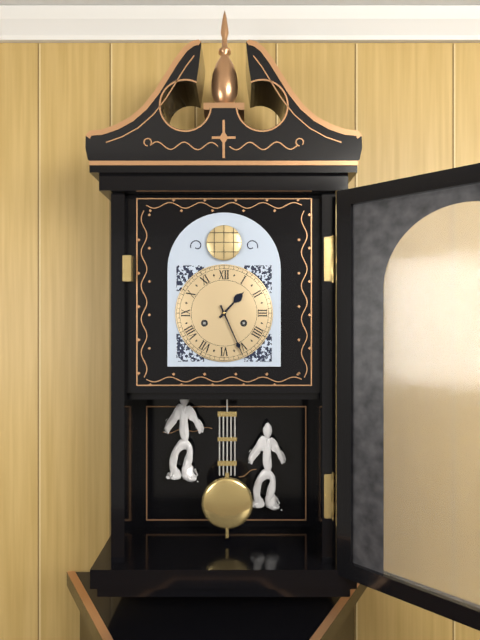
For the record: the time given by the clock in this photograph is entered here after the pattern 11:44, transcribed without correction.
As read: 1:26
